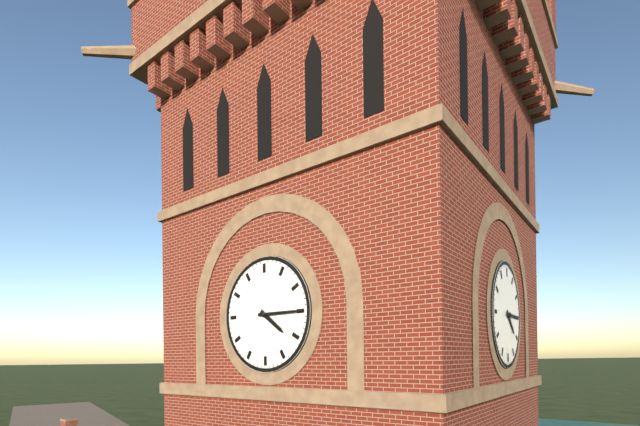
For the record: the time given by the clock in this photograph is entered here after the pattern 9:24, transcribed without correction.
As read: 4:15
